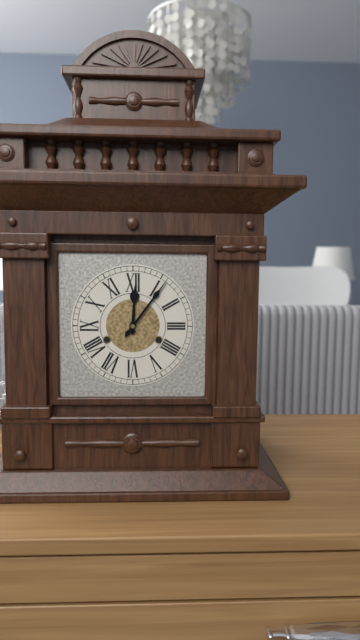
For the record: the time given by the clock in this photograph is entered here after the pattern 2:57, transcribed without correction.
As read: 12:06
